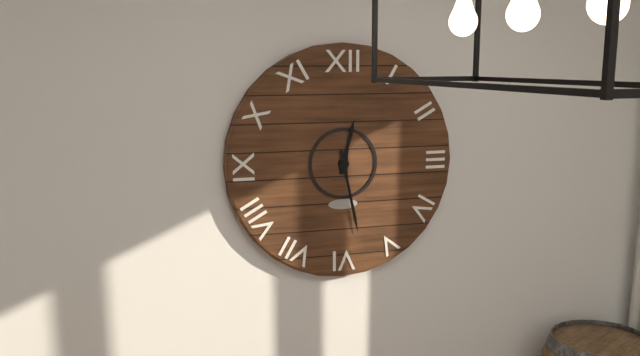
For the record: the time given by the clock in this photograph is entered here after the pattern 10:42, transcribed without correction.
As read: 12:28
